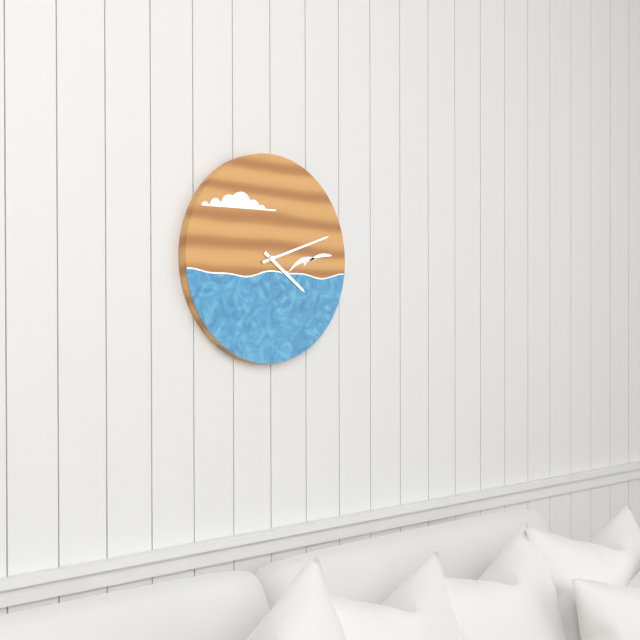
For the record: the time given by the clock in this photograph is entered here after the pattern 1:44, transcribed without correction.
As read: 4:12
